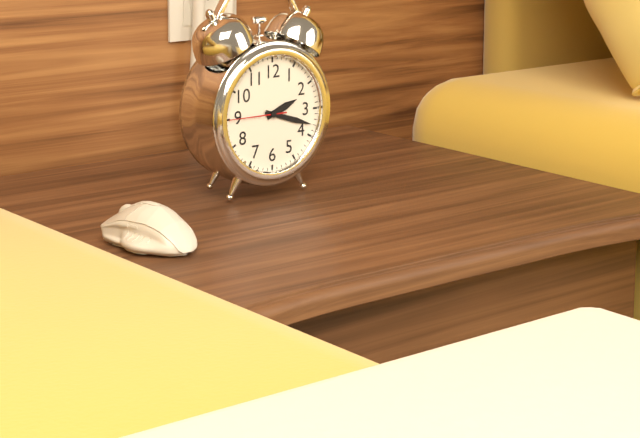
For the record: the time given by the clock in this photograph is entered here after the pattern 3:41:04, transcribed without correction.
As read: 2:18:45
